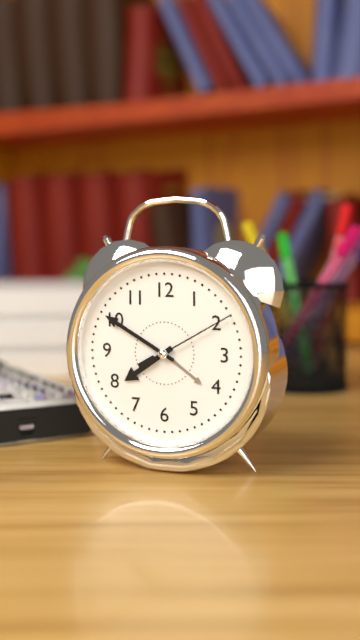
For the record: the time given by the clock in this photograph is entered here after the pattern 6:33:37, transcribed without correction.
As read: 7:50:10
